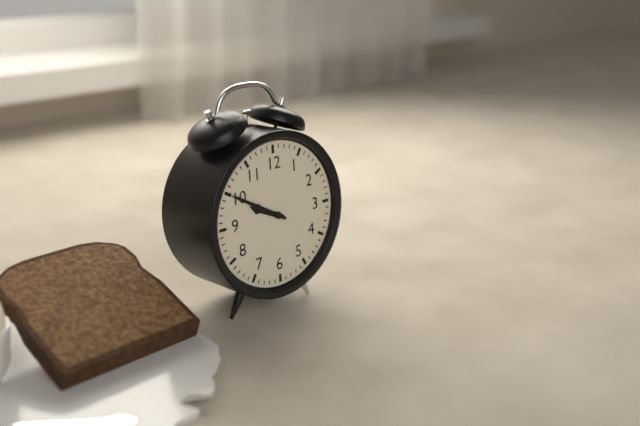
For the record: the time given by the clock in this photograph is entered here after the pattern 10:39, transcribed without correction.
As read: 9:50
